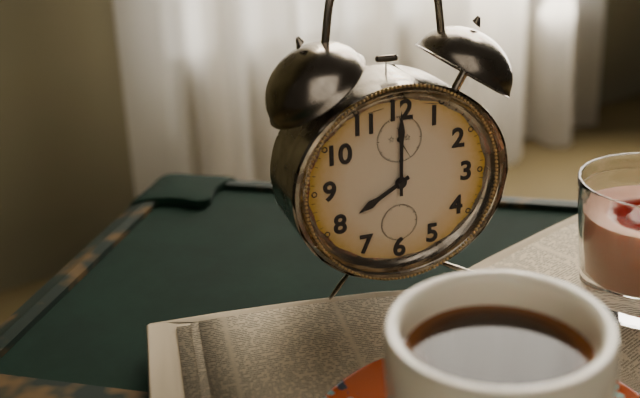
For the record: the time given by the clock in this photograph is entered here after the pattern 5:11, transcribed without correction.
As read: 8:00
